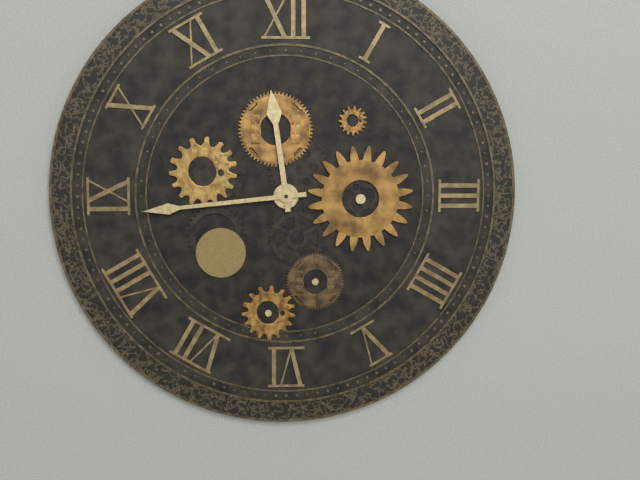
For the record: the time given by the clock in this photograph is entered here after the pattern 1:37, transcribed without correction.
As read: 11:44
